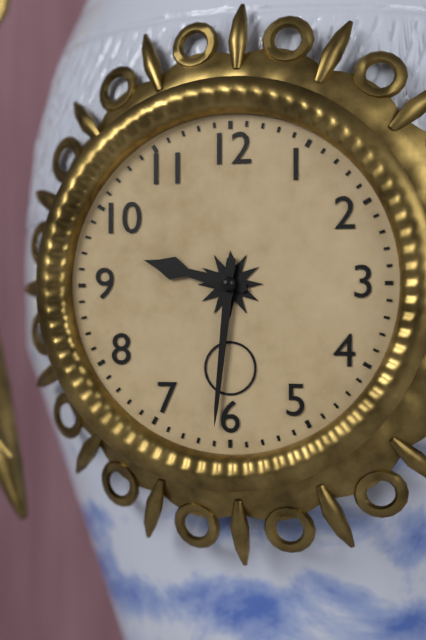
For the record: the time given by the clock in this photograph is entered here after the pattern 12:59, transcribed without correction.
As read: 9:31
